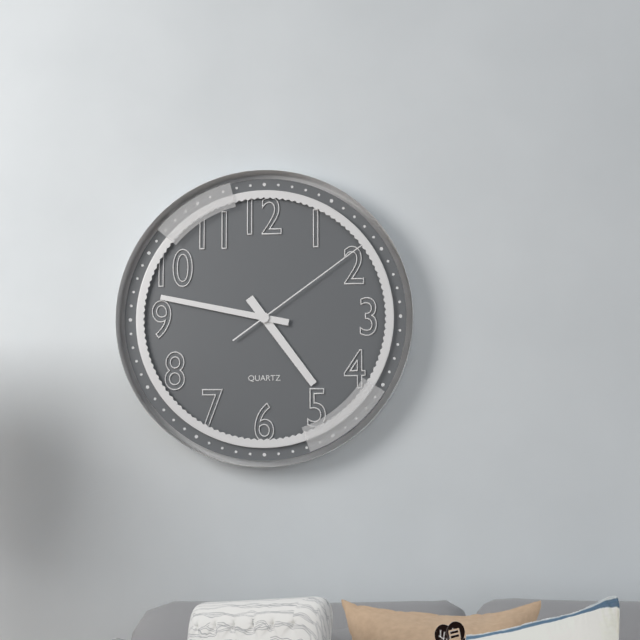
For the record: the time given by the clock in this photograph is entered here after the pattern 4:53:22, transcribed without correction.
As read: 4:47:09
